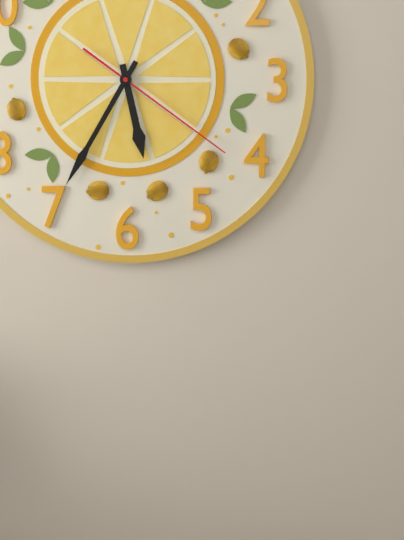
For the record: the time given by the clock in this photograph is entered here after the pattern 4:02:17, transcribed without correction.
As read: 5:35:21
